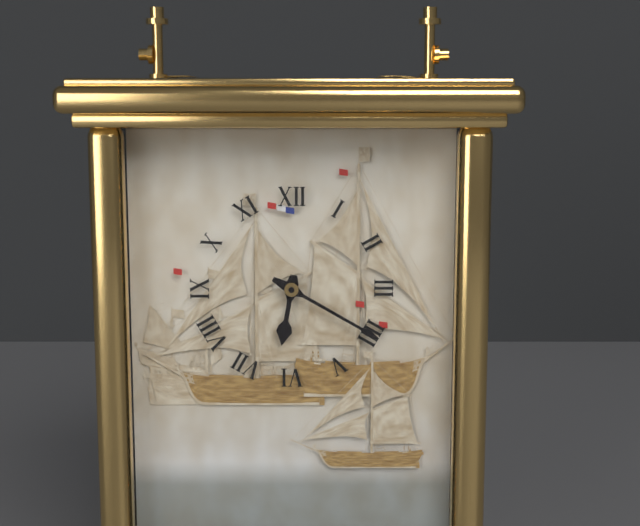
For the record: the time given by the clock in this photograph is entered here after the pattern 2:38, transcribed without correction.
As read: 6:20
